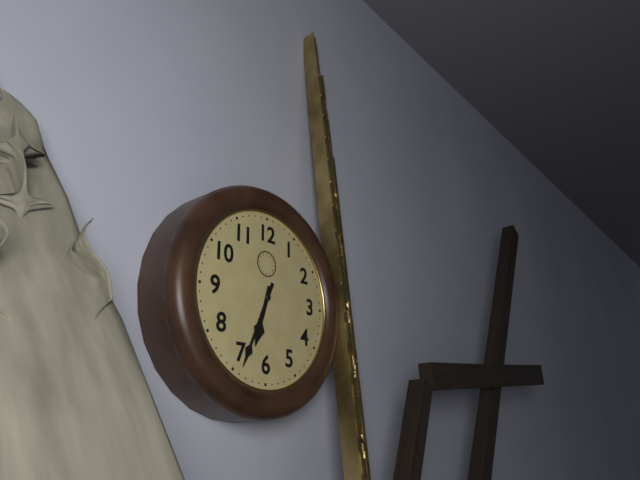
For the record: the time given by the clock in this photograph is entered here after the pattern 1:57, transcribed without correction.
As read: 6:34
